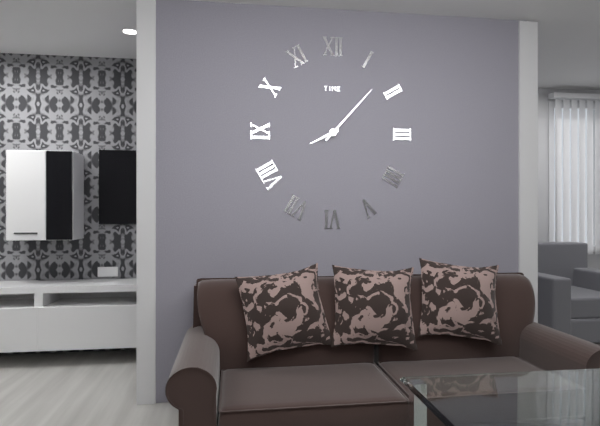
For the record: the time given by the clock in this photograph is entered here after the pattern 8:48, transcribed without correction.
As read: 8:07
